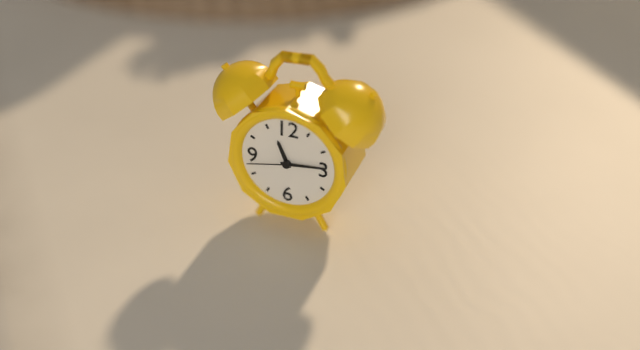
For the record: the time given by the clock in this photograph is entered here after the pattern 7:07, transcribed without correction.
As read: 11:14
